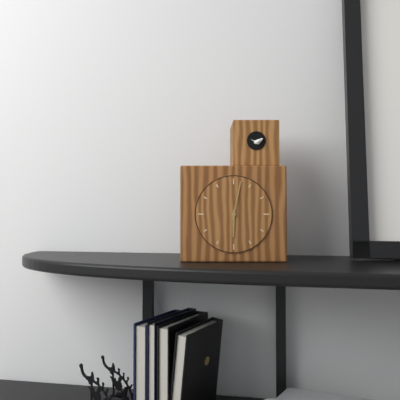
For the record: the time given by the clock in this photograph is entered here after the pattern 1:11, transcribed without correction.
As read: 6:02
